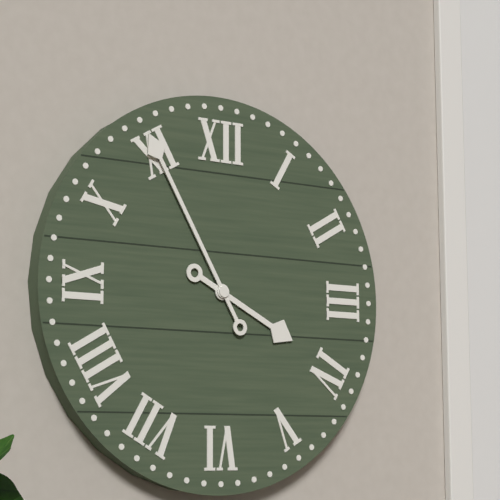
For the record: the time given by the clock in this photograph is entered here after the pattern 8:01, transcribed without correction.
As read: 3:55
